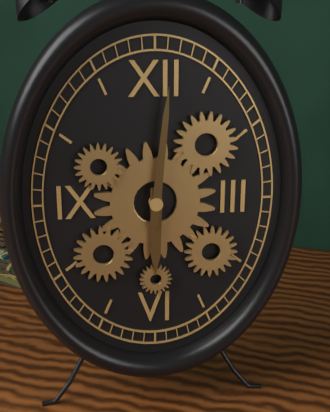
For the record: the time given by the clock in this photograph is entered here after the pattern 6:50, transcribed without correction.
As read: 6:01
